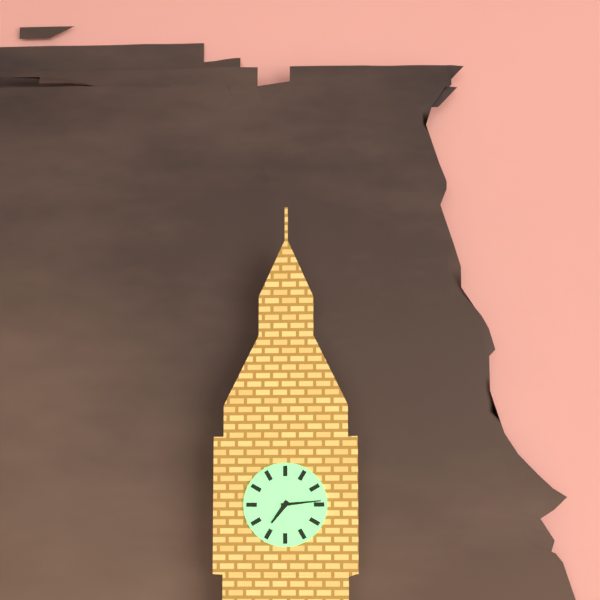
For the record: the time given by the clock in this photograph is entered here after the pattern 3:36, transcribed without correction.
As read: 7:14
